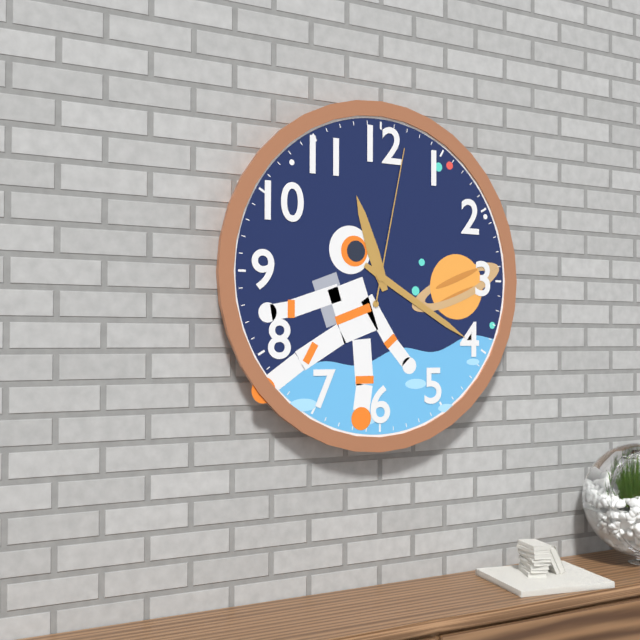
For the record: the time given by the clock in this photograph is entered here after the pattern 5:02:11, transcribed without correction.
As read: 11:20:02
